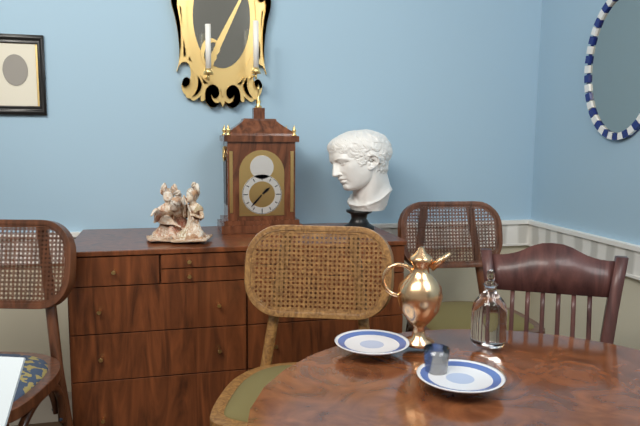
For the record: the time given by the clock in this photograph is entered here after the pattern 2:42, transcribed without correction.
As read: 1:37
